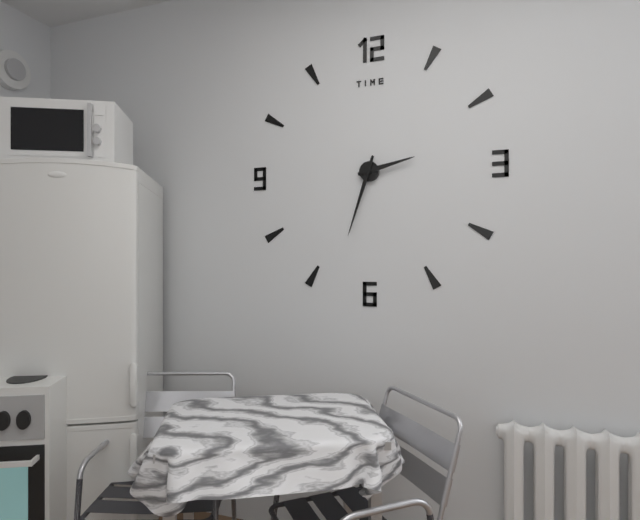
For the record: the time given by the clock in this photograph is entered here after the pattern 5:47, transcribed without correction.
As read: 2:33
